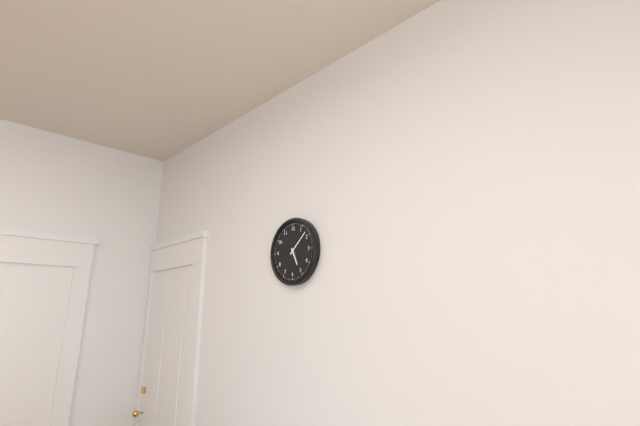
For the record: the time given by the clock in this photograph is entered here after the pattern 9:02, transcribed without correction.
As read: 5:08
